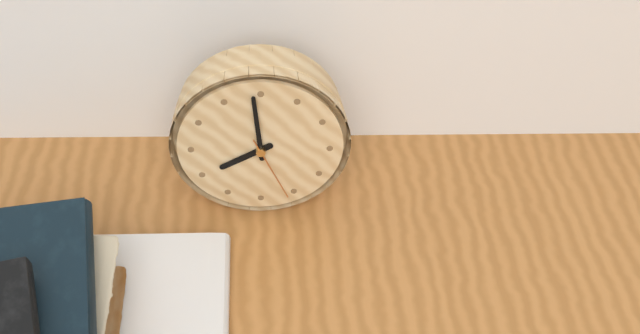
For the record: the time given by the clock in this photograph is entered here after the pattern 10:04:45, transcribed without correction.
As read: 7:59:26
